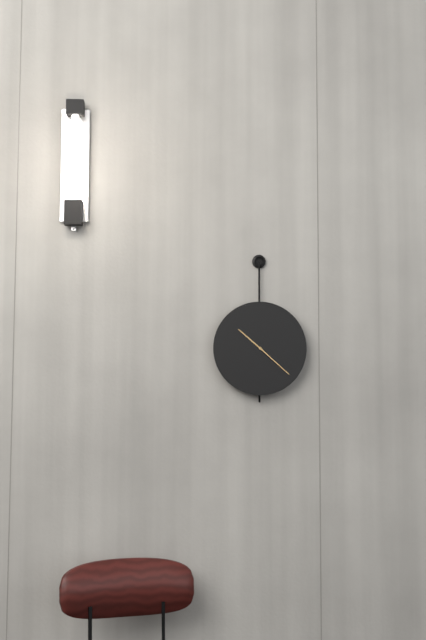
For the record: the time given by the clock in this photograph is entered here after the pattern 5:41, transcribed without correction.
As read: 10:22
